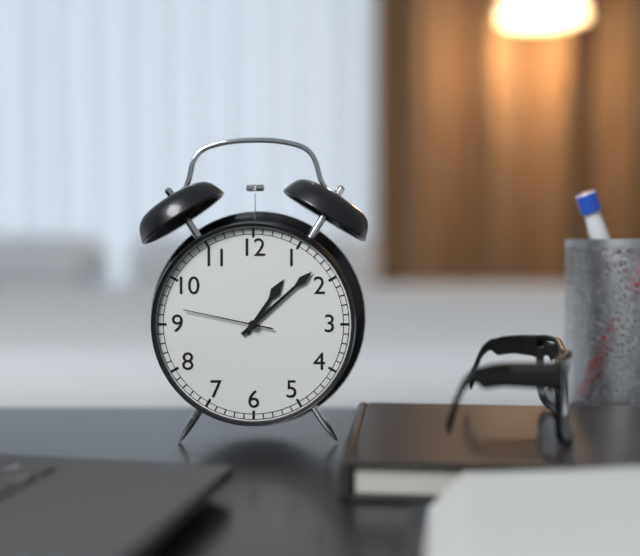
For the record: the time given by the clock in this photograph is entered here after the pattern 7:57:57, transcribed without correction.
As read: 1:08:47
